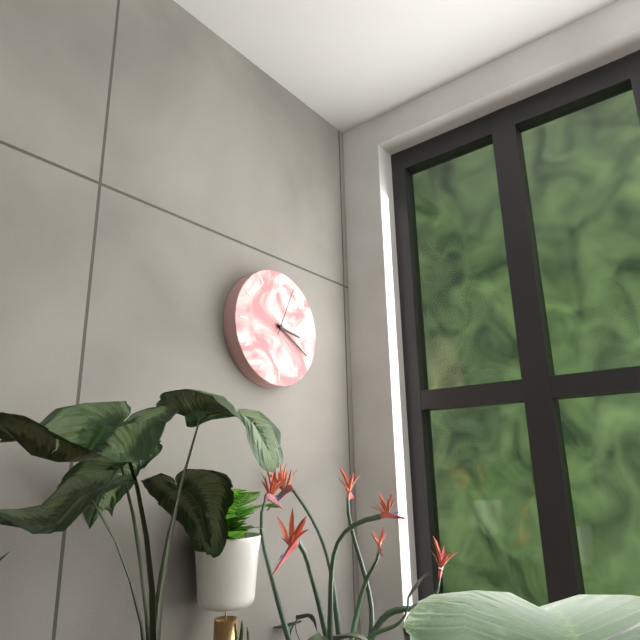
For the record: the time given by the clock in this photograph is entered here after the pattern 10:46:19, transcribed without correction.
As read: 3:20:04
